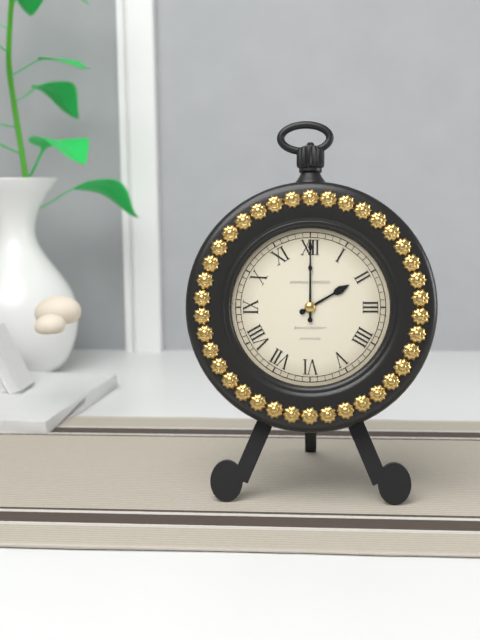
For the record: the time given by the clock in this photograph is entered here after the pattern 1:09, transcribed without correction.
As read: 2:00
